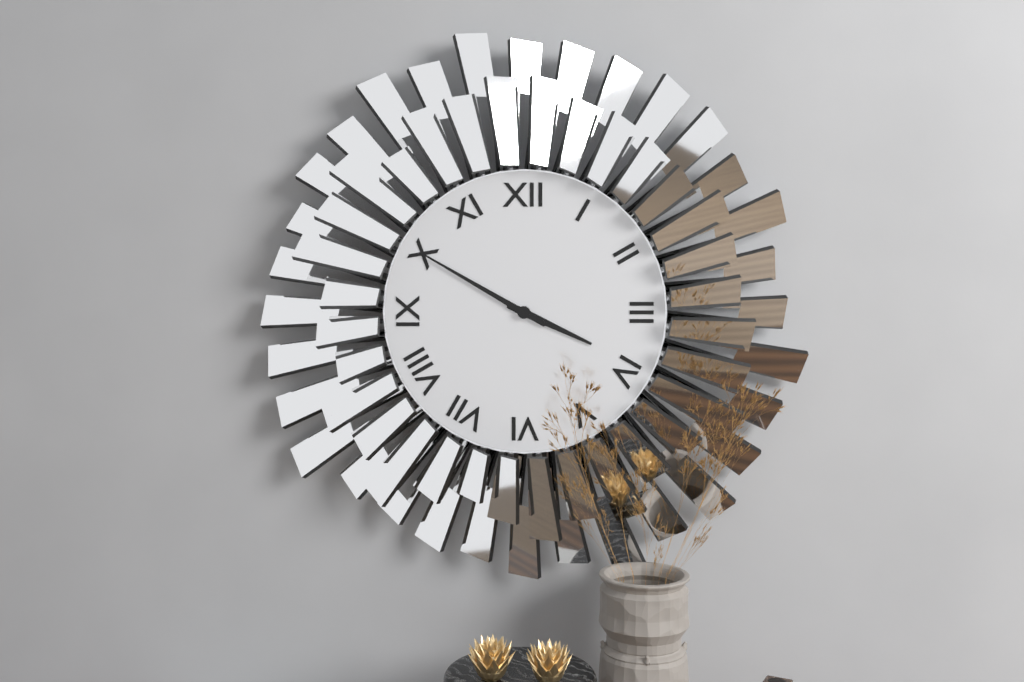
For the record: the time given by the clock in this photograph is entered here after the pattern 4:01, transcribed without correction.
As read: 3:50
